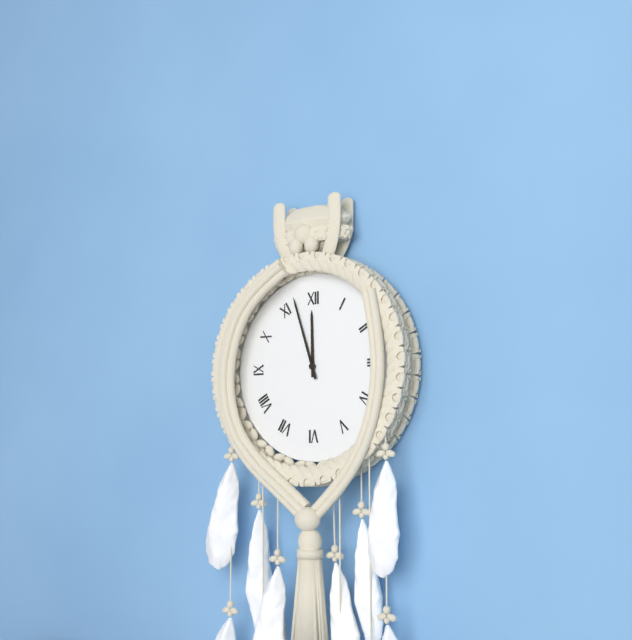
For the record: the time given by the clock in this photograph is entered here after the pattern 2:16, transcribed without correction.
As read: 11:57
